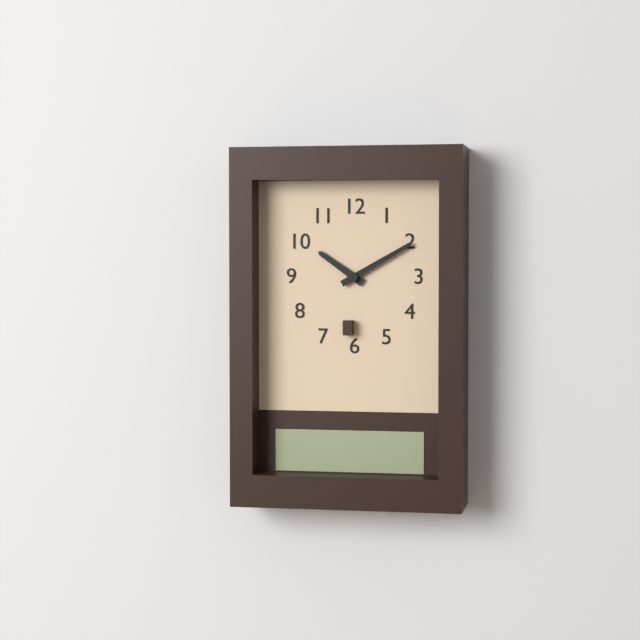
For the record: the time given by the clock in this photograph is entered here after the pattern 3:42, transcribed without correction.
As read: 10:10
